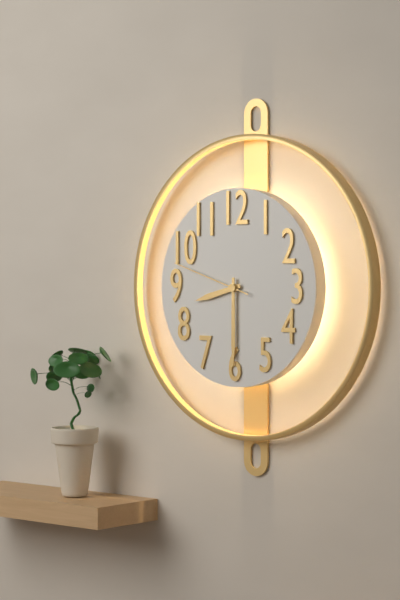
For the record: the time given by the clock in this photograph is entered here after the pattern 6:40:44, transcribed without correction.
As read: 8:30:48
